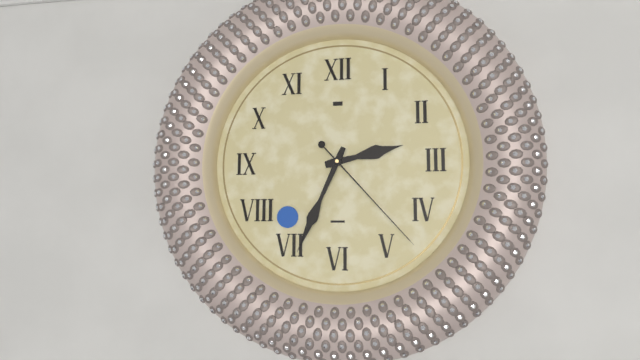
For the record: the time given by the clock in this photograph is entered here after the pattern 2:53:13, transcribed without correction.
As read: 2:34:23
